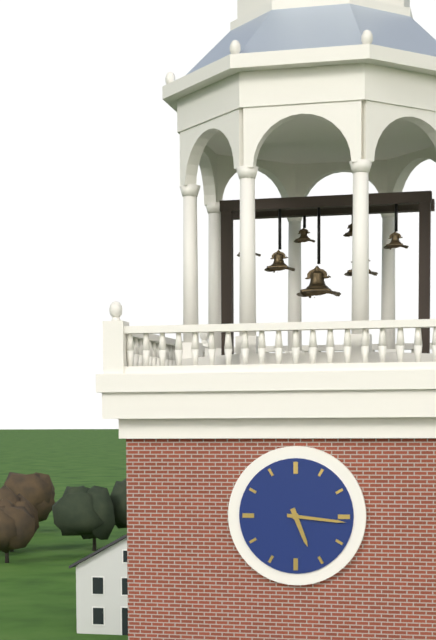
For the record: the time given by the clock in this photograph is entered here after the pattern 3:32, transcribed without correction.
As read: 5:16
